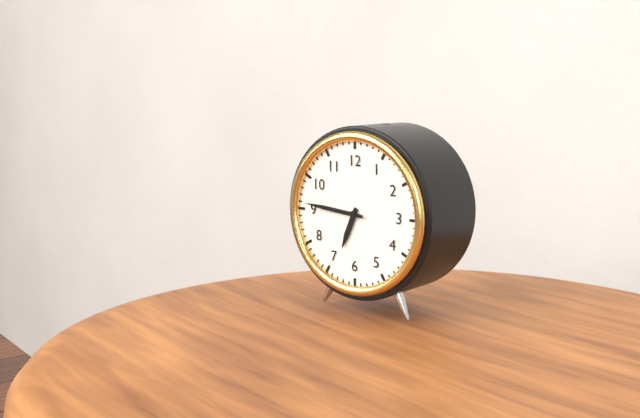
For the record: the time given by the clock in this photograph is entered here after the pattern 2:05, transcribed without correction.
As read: 6:46
